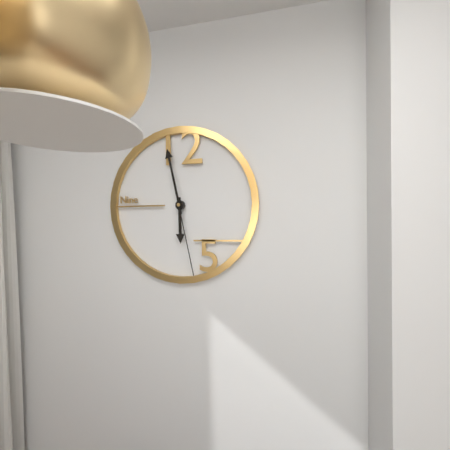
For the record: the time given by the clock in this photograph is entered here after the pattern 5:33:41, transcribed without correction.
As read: 5:58:28
